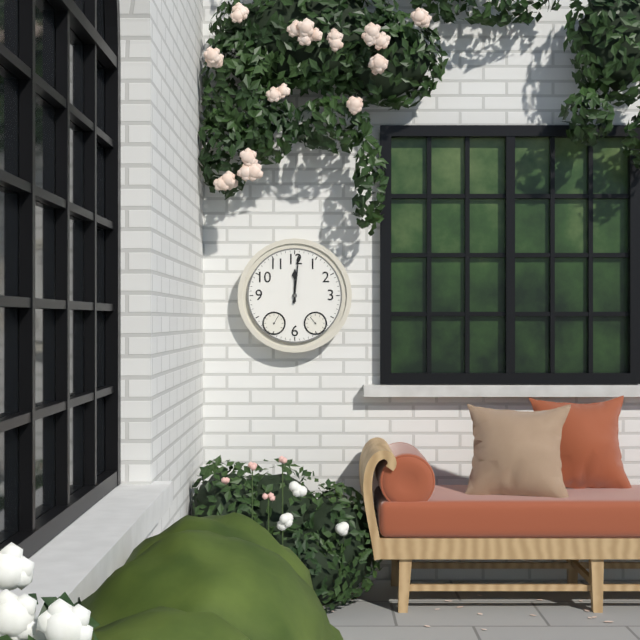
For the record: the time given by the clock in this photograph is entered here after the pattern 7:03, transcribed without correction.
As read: 12:01
